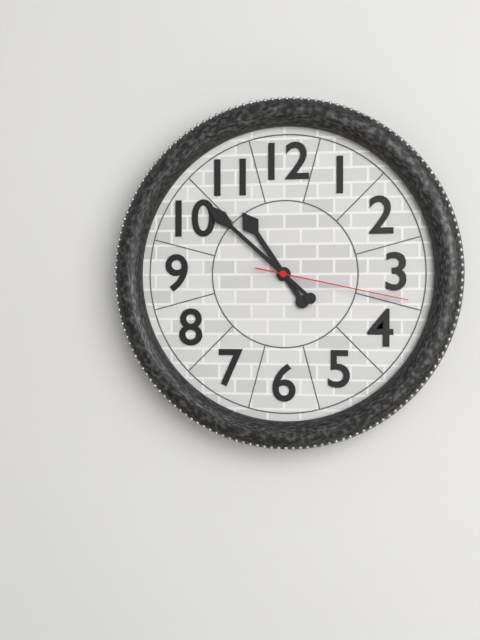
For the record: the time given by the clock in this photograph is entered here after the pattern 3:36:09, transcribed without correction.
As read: 10:52:17
